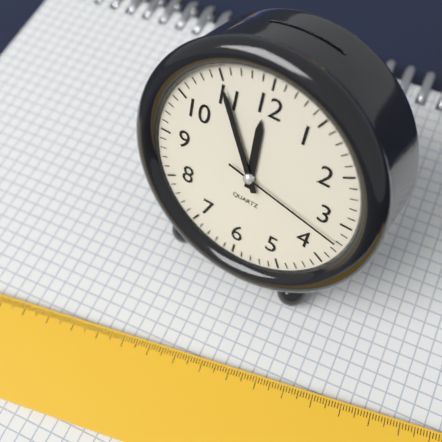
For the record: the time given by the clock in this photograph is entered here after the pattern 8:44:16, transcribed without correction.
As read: 11:55:17
